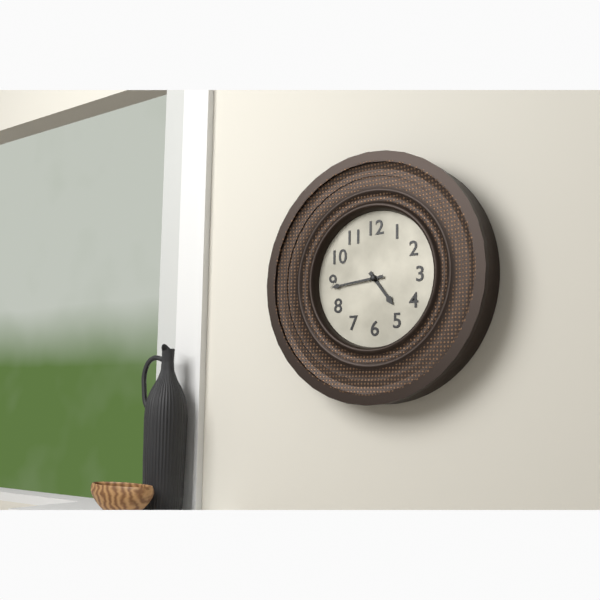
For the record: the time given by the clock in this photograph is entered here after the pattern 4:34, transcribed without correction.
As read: 4:44
